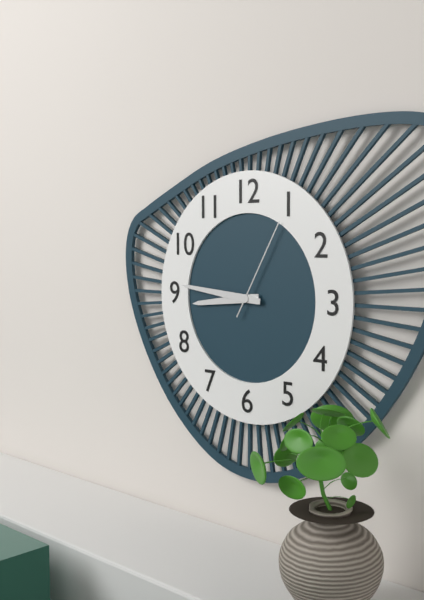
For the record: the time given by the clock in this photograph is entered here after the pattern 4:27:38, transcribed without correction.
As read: 8:46:05
